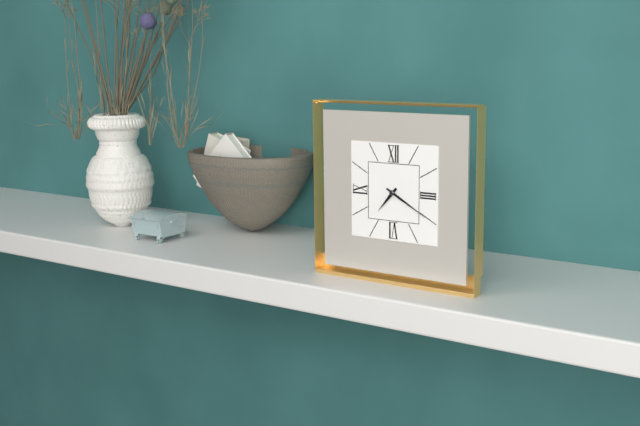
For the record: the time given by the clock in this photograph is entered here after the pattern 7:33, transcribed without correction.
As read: 7:20
